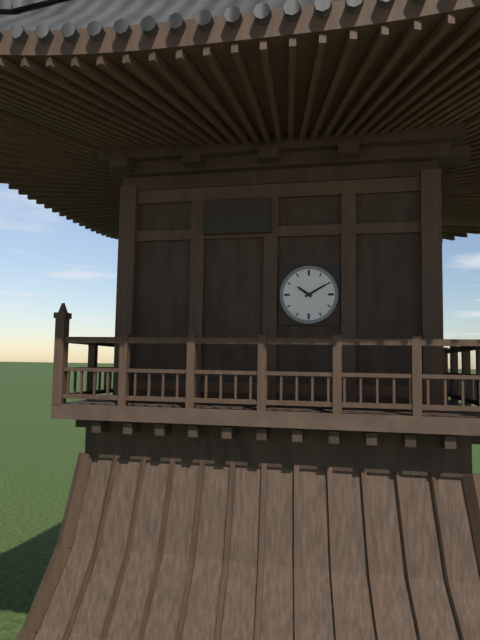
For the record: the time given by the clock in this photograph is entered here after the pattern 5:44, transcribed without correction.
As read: 10:10
